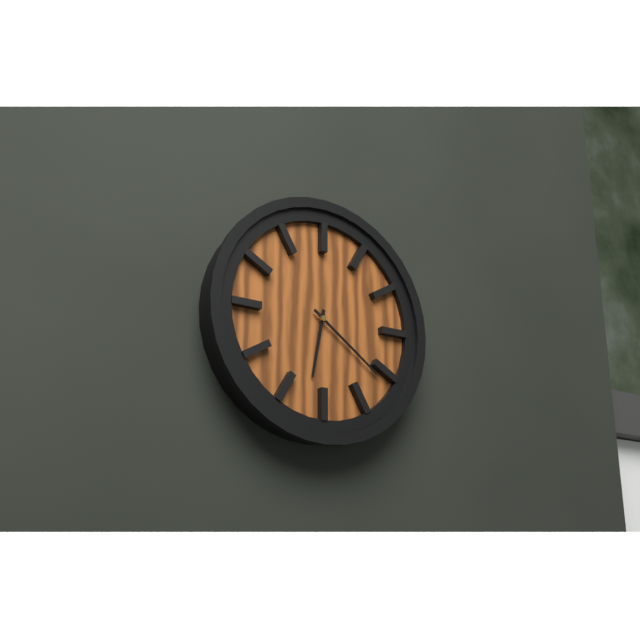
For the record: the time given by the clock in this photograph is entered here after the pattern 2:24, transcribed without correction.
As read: 6:21
